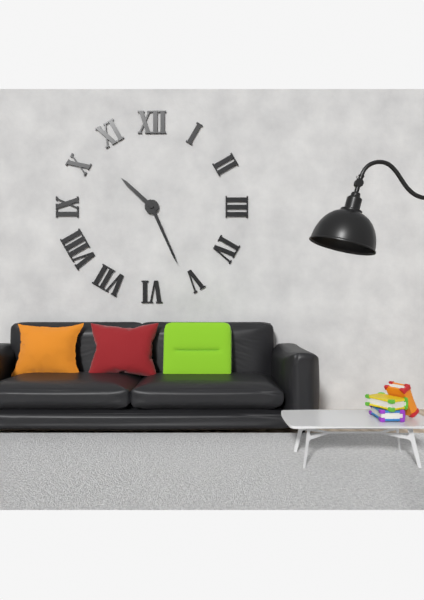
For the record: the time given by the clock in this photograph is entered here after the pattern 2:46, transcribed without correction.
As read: 10:26
